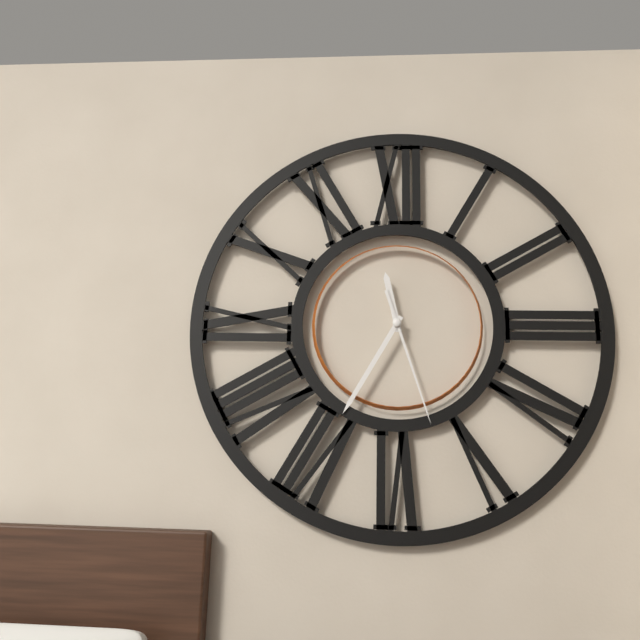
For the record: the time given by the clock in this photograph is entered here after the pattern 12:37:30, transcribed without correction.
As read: 11:35:27
